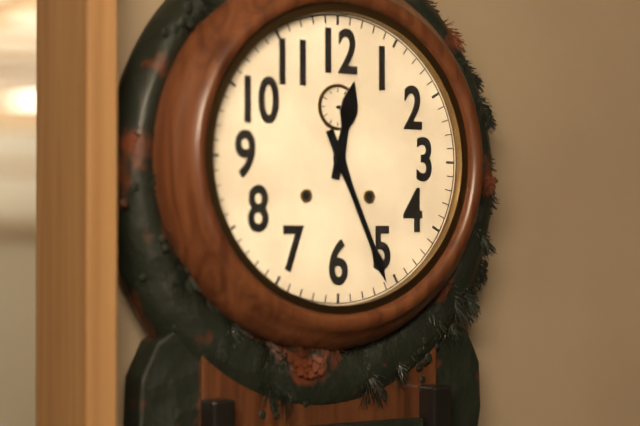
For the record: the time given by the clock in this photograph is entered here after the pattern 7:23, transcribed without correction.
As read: 12:26
